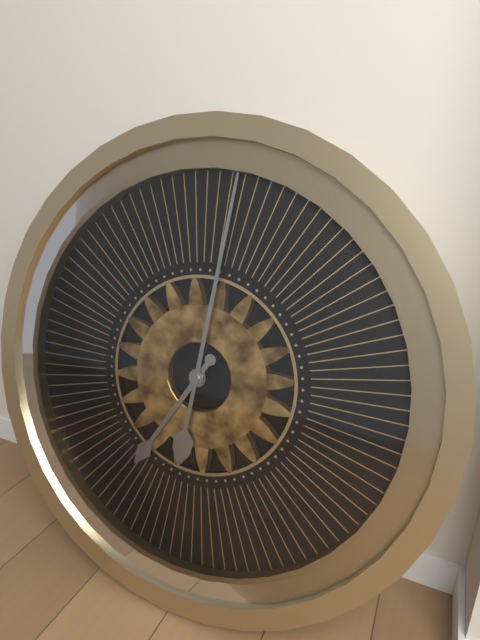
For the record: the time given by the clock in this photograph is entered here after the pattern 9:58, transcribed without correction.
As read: 7:01
